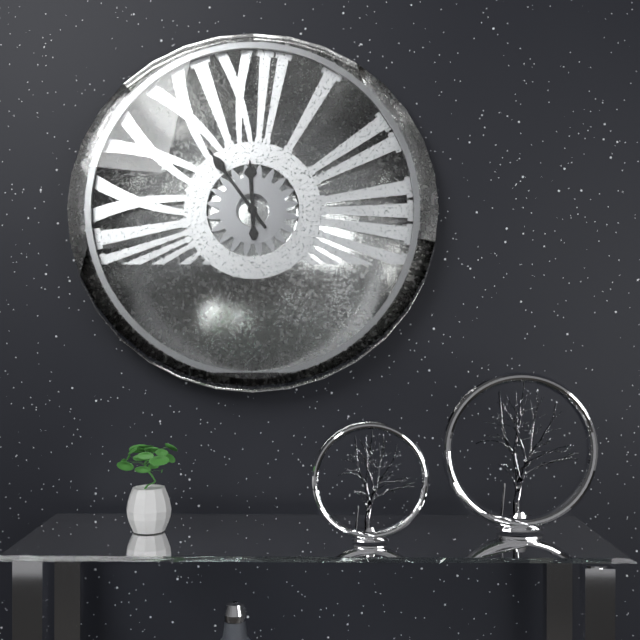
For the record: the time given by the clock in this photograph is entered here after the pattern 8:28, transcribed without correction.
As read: 11:54
